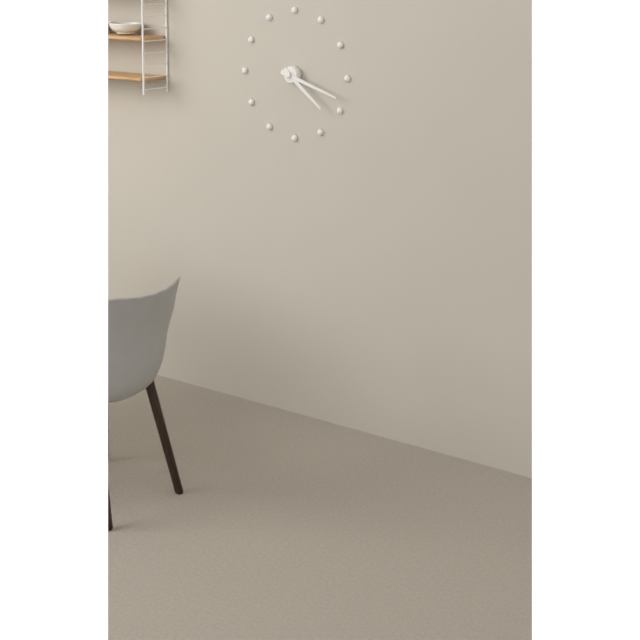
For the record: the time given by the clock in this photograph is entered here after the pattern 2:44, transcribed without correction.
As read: 4:18
